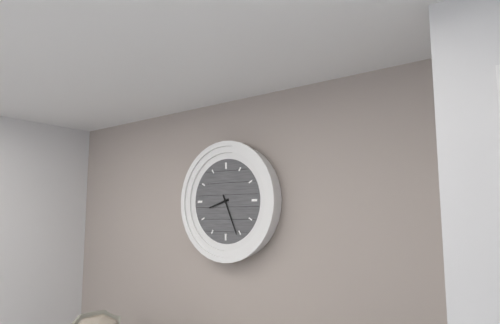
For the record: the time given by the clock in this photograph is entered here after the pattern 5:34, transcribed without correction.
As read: 8:26
